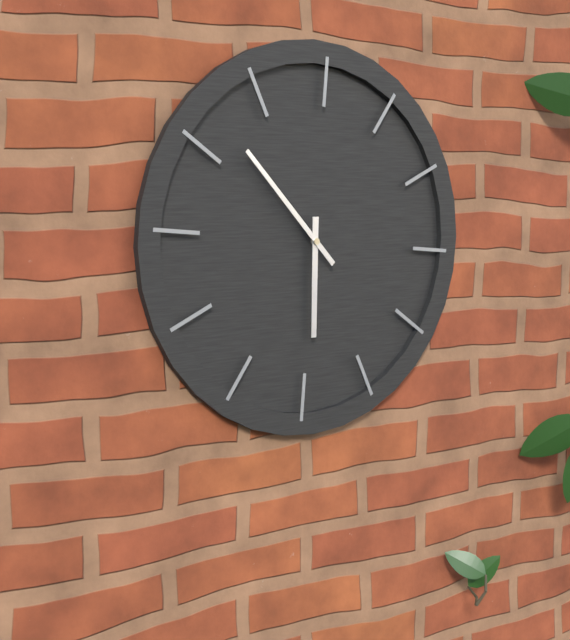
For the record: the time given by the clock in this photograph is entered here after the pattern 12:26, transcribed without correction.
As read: 5:52
